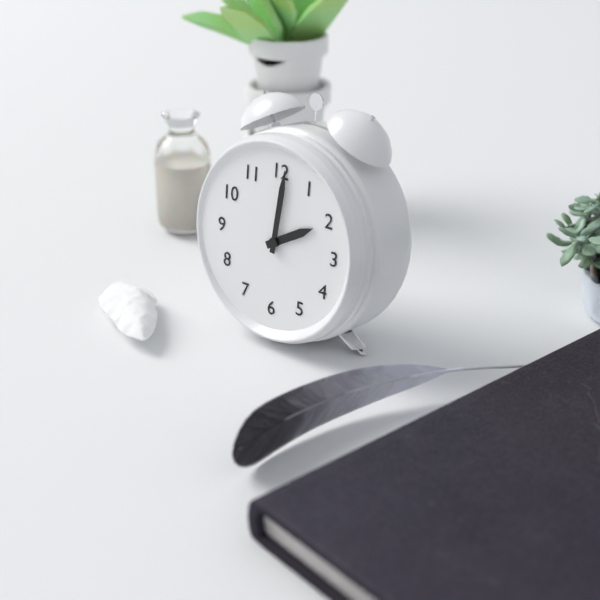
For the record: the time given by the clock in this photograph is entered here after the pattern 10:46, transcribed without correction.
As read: 2:01
